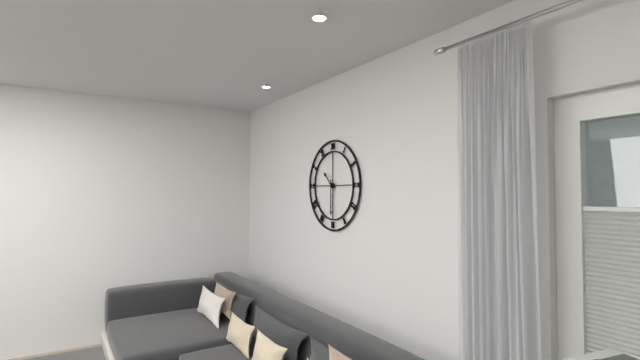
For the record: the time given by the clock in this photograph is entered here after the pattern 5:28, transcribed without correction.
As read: 10:30
